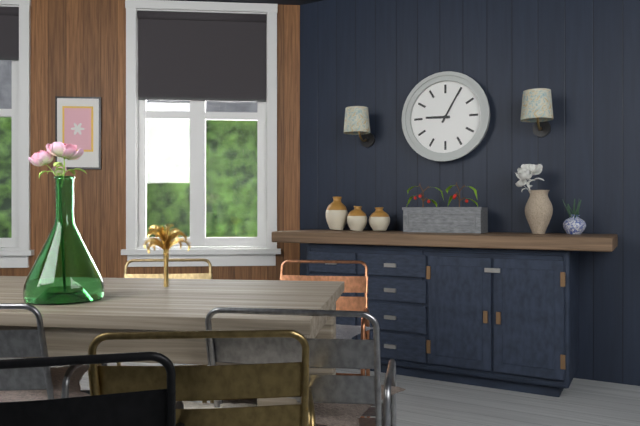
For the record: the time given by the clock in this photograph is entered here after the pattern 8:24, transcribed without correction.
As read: 9:05
